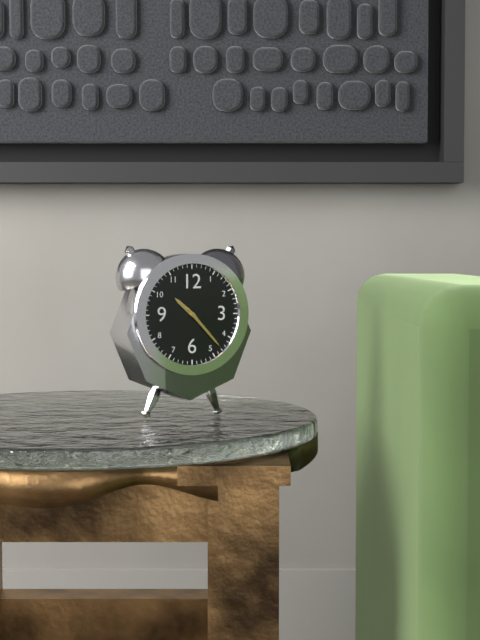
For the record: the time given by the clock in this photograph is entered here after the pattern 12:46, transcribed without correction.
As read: 10:23
